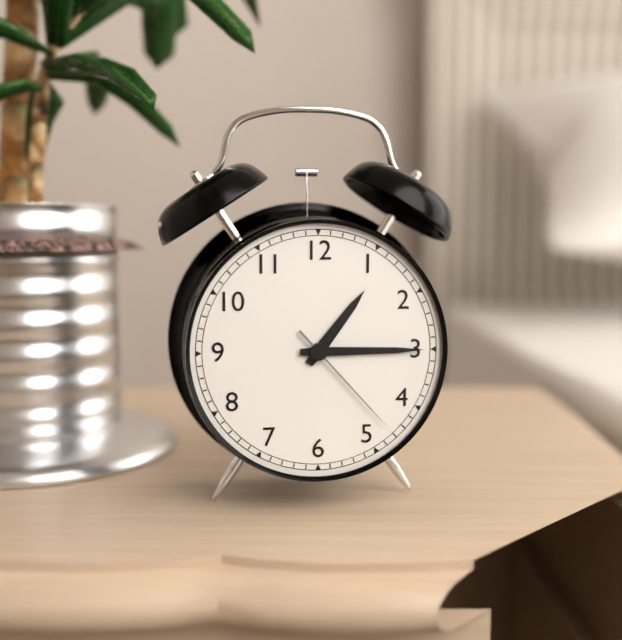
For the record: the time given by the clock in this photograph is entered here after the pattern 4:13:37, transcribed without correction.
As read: 1:15:23
